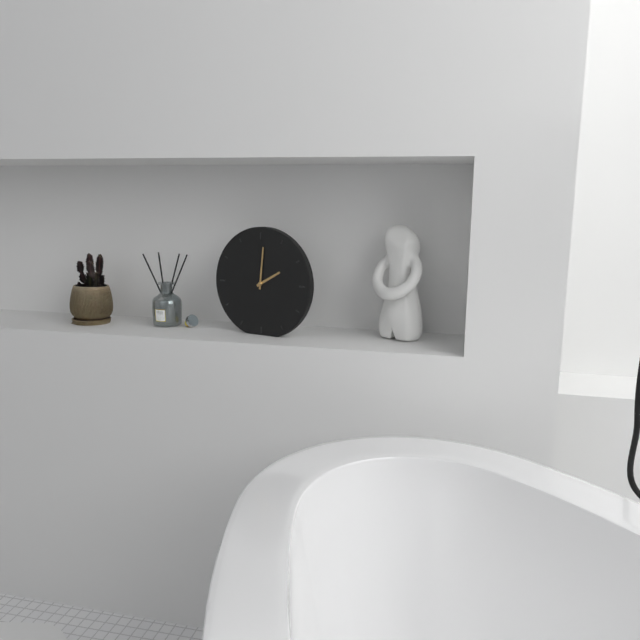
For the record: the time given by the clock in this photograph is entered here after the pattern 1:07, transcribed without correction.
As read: 2:01
